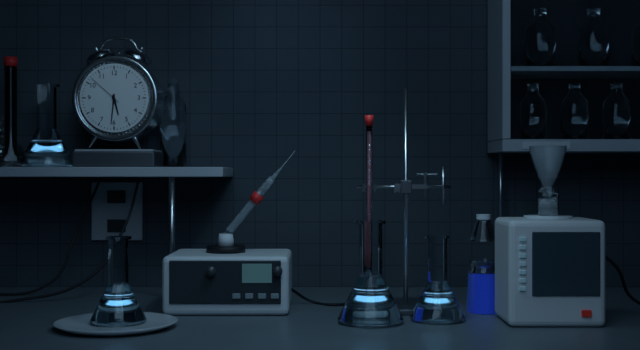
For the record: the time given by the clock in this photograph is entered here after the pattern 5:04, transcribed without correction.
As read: 5:31
